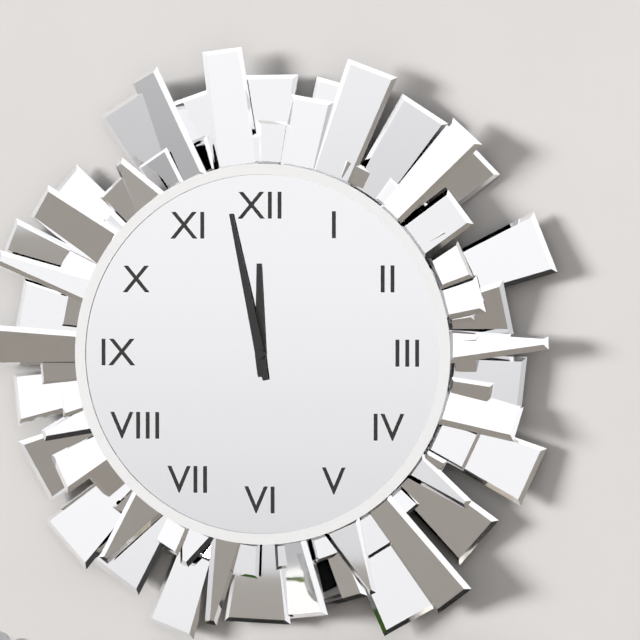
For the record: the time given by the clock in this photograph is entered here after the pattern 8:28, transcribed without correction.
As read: 11:58
